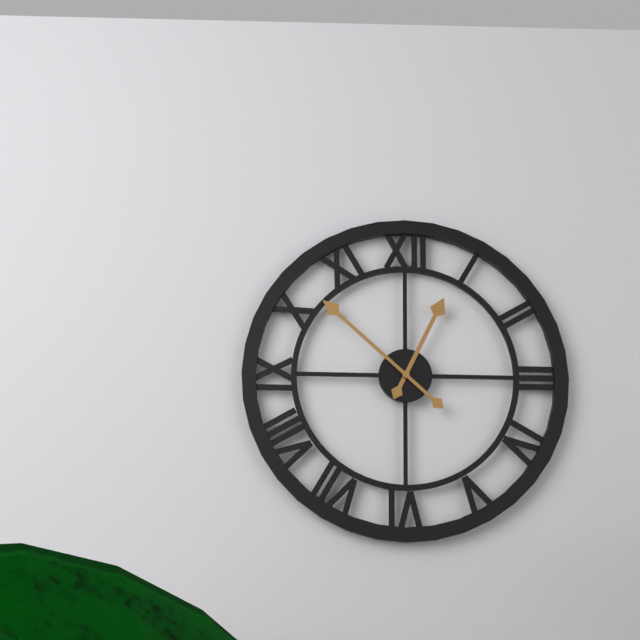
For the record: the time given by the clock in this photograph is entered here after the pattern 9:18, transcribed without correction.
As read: 12:52
